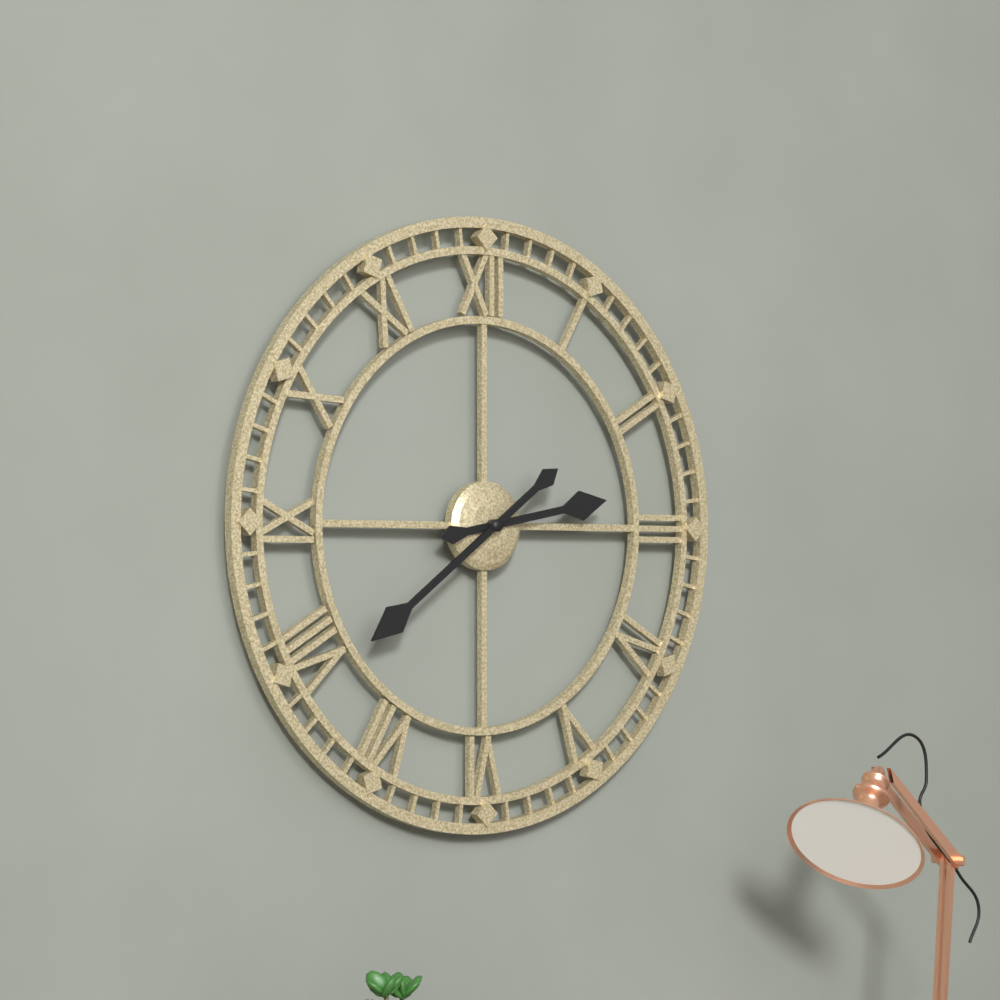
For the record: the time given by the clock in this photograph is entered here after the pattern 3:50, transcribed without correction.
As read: 2:39
